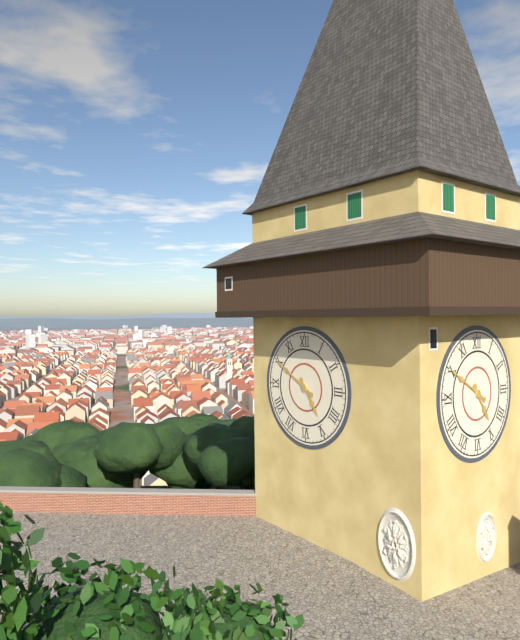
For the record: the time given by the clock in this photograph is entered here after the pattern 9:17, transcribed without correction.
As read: 4:50
